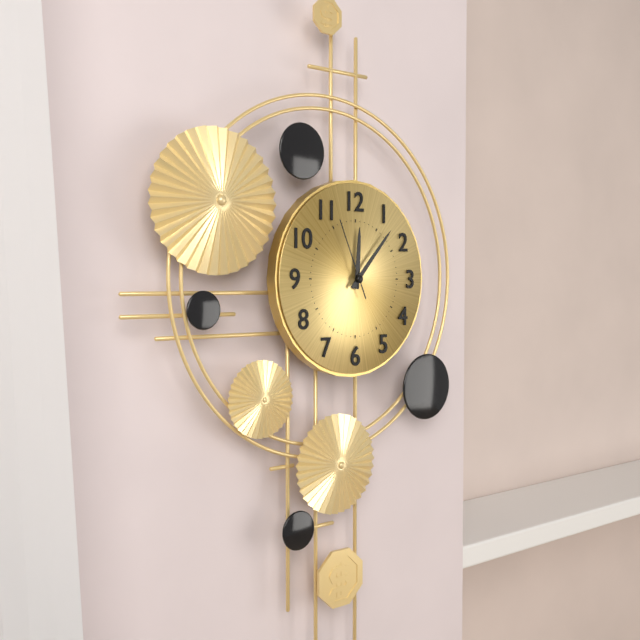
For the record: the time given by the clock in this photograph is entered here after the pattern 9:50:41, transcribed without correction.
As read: 12:07:56
